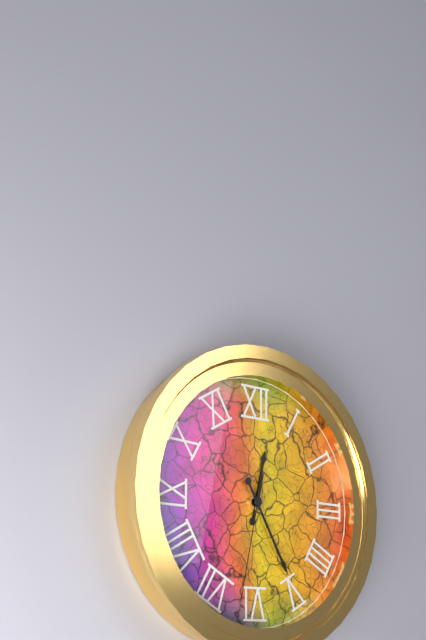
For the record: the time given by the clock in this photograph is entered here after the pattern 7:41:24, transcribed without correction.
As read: 12:25:32
